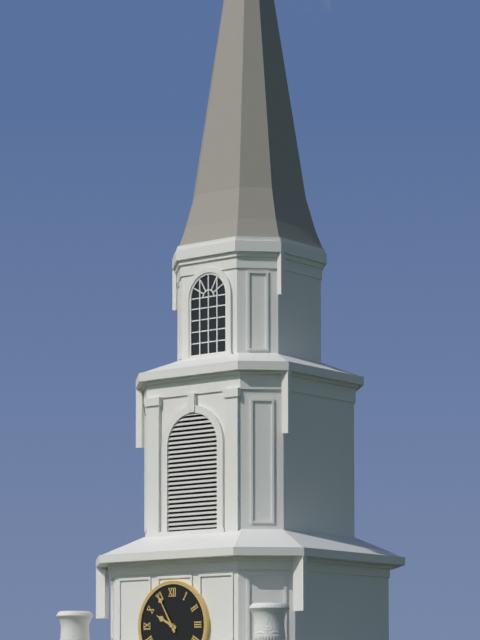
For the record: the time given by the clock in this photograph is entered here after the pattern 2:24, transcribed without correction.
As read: 9:55
